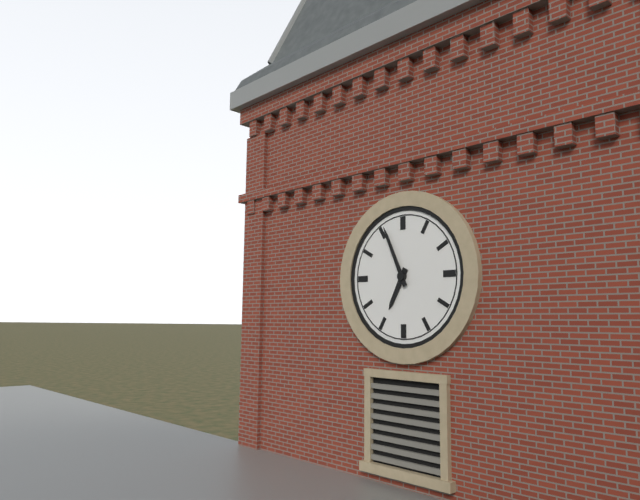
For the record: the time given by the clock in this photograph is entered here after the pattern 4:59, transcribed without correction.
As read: 6:56
